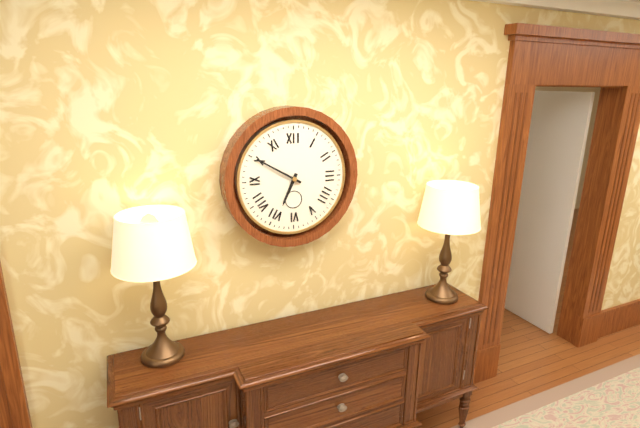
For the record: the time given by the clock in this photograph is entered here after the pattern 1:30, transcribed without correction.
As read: 6:50
